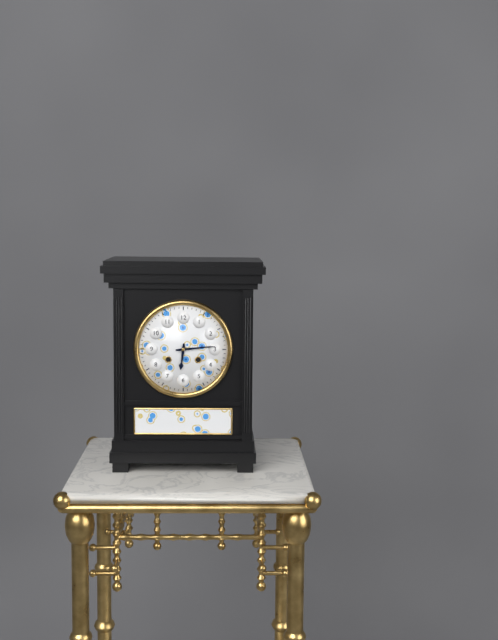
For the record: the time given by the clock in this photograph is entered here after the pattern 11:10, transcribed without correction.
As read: 6:14
